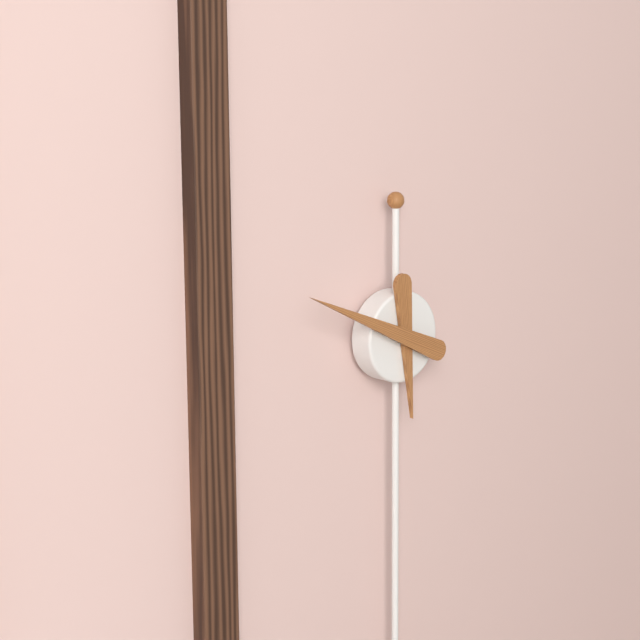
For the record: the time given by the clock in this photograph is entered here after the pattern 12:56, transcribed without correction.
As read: 5:49
